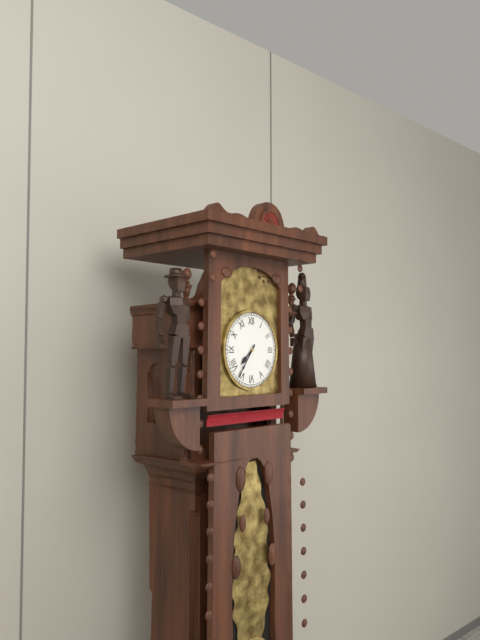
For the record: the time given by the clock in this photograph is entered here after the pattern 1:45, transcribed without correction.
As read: 7:36
